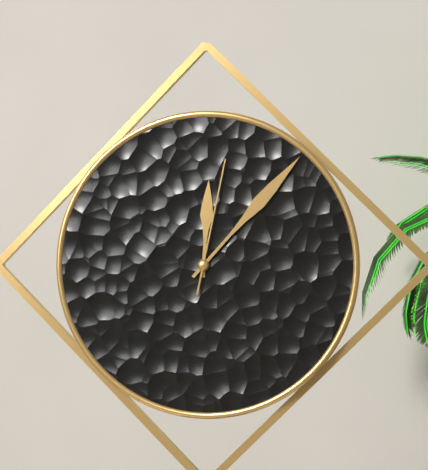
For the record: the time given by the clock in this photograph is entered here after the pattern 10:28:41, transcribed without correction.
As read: 12:07:02
